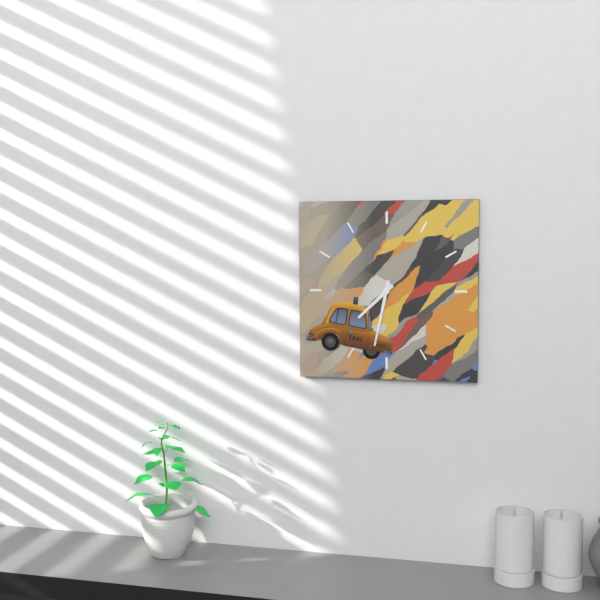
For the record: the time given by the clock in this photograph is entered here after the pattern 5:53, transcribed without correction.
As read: 7:32
